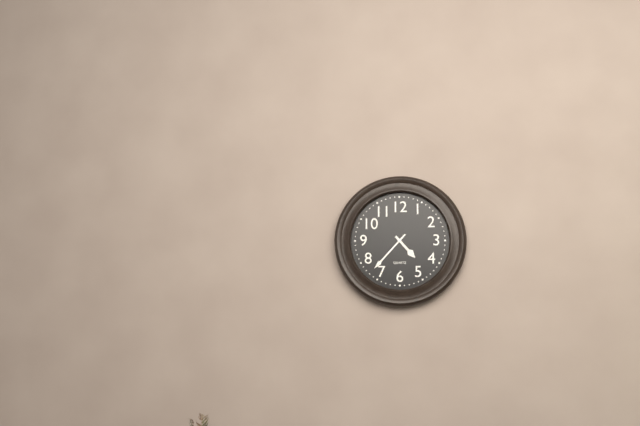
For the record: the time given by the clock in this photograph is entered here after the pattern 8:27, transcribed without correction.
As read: 4:37
